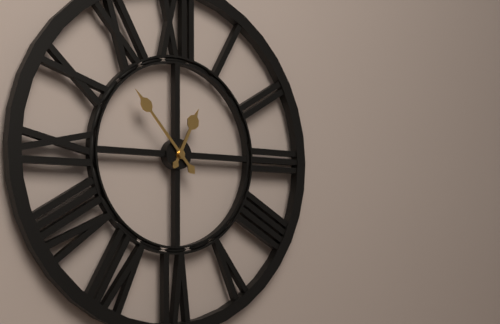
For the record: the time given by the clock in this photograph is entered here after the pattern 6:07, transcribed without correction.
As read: 12:53
